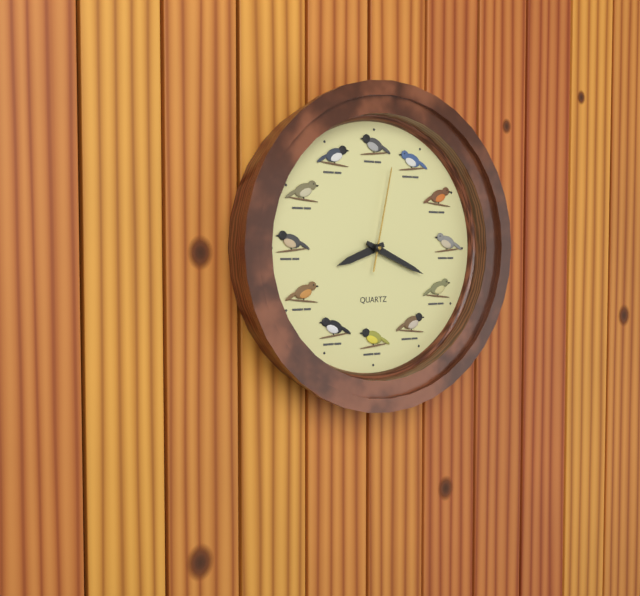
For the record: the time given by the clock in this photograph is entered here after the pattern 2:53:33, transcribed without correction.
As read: 8:19:02
